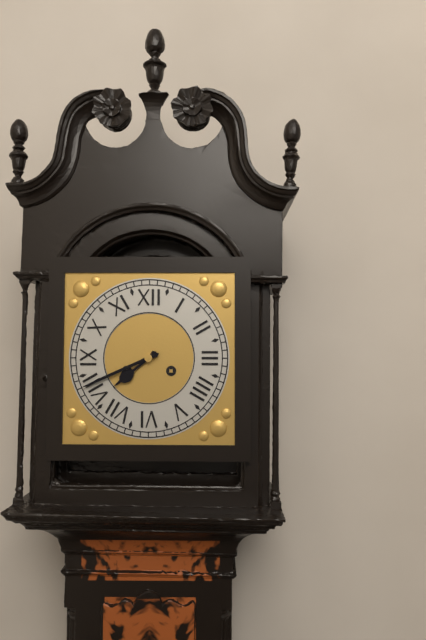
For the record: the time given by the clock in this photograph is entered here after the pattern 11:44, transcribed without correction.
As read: 7:41
